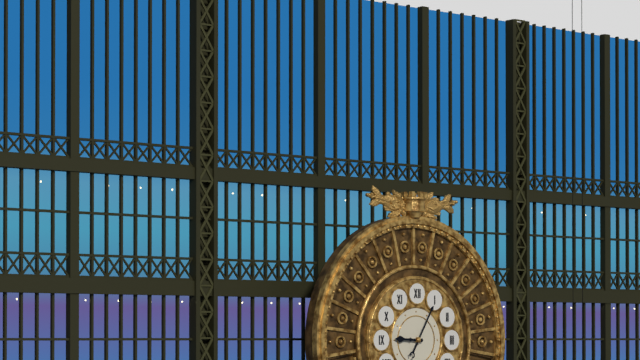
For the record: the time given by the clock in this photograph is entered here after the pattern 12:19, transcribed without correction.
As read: 9:05
